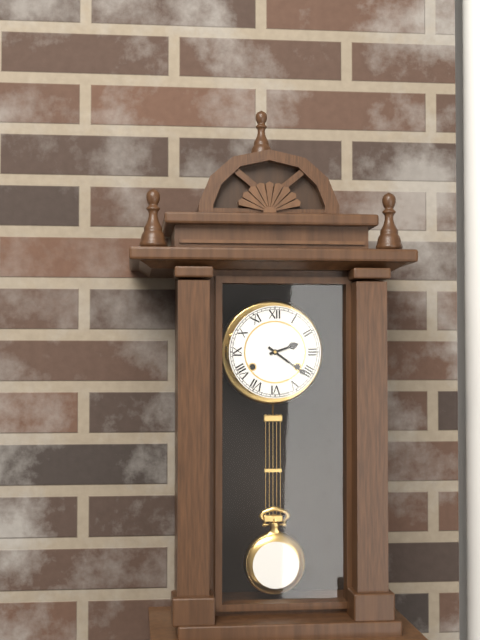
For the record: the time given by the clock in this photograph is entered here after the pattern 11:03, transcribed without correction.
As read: 2:21
